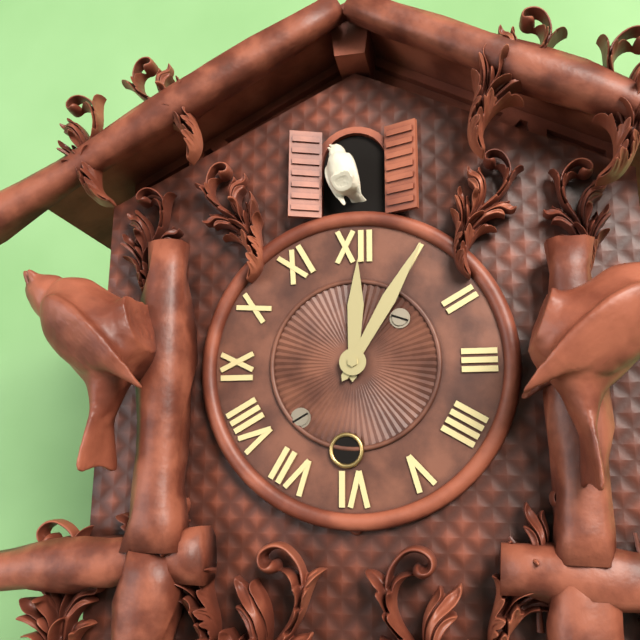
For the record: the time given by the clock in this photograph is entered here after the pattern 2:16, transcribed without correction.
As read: 12:05
